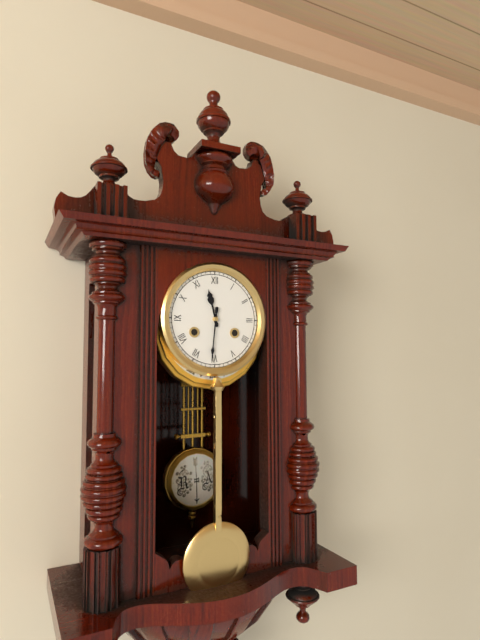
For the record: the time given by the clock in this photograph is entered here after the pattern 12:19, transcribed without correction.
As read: 11:31
